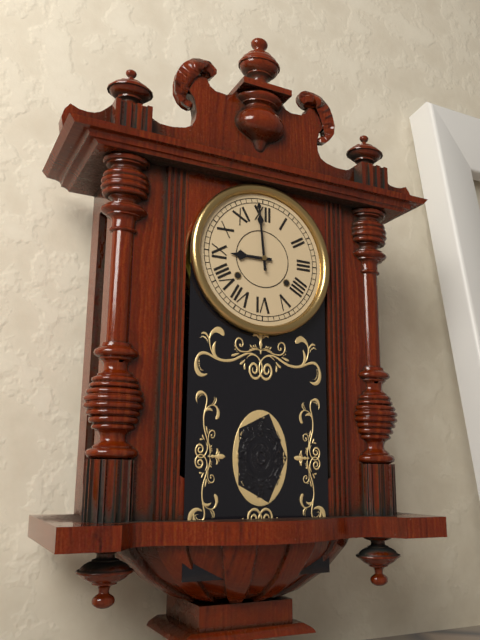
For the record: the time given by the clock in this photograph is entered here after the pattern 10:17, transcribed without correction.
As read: 8:59
